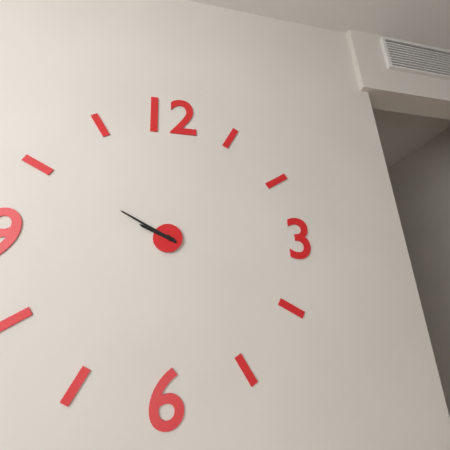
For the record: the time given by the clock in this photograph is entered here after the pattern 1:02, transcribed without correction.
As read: 9:50
